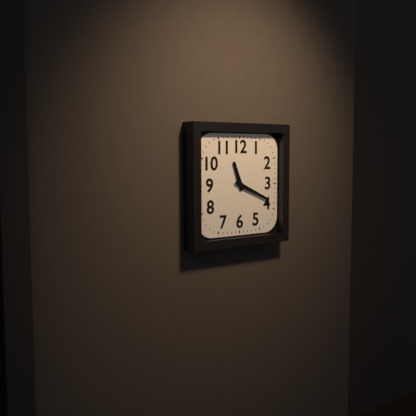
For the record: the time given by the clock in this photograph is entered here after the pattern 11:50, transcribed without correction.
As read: 11:19
